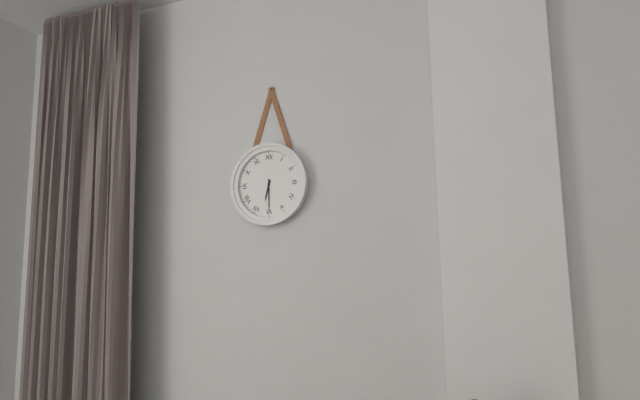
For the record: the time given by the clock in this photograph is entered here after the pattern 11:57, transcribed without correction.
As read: 6:30
